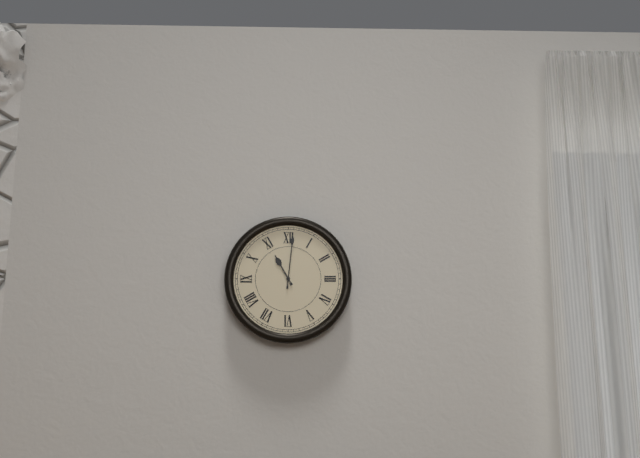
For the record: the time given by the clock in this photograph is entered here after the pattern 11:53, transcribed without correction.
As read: 11:01
